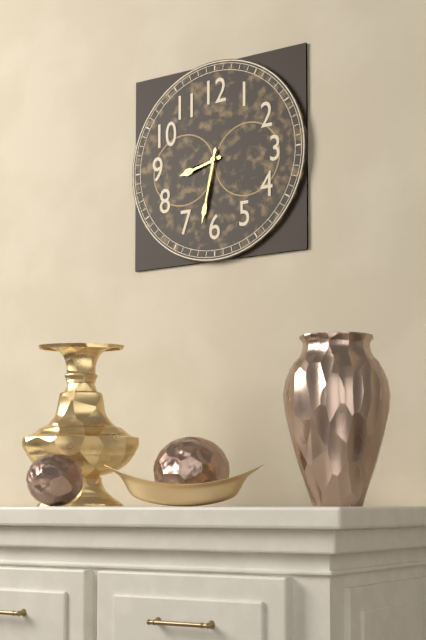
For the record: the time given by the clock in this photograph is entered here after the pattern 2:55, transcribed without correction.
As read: 8:32
